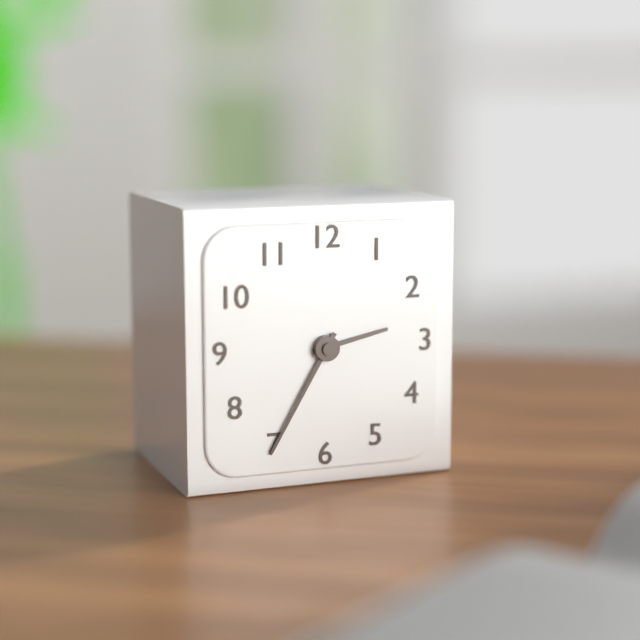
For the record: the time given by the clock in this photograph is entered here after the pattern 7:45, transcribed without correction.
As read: 2:35
